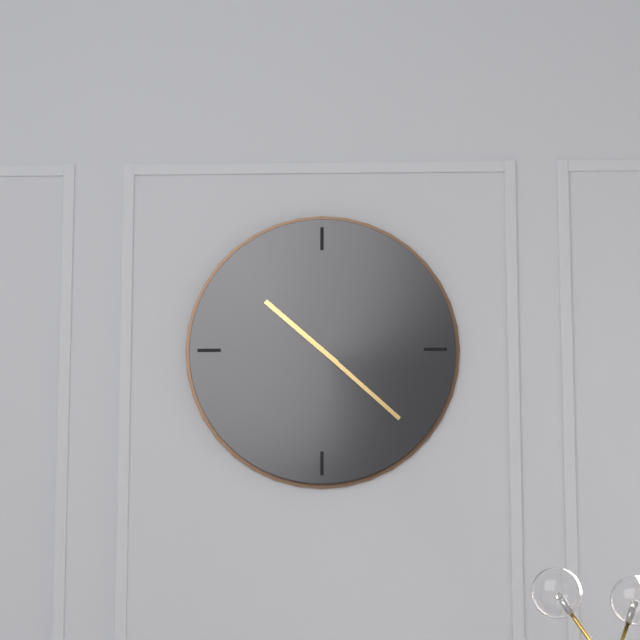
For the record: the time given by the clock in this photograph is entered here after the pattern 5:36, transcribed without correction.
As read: 10:22
